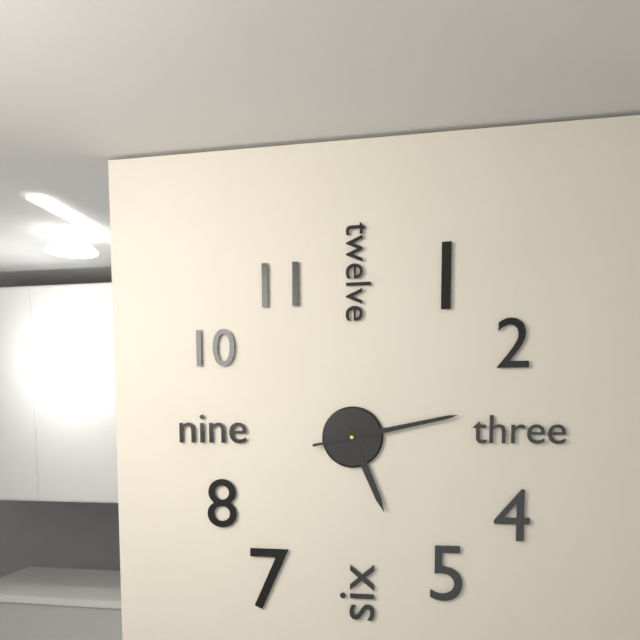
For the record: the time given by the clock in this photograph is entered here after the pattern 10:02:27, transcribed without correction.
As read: 5:13:13
